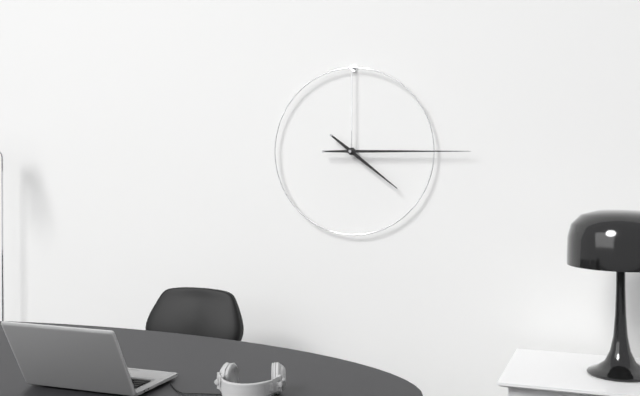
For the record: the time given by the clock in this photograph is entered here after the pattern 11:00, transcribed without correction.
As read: 4:15
